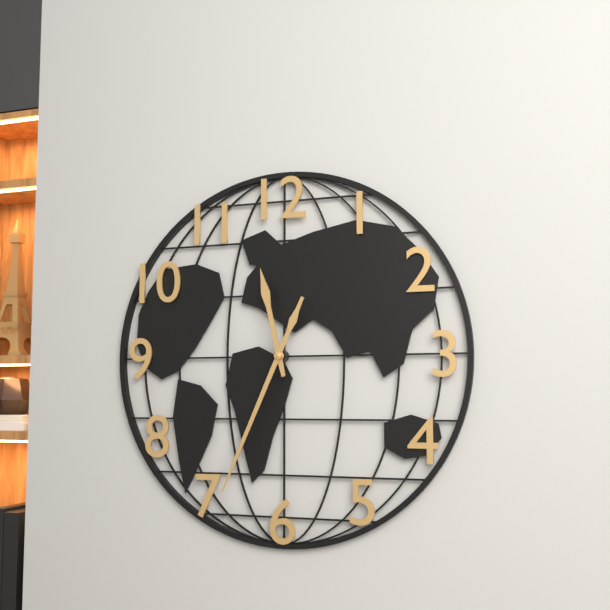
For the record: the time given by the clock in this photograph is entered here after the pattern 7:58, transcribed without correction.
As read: 11:34
